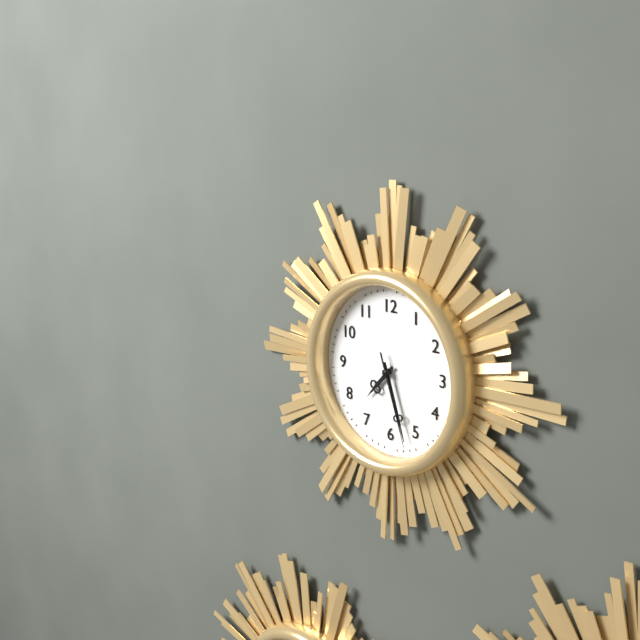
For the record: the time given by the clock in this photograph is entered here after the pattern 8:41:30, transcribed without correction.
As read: 7:27:27
